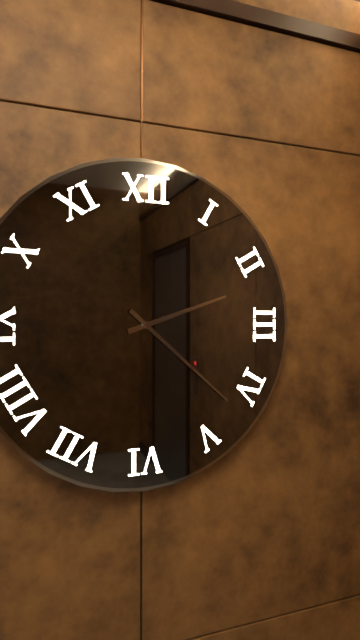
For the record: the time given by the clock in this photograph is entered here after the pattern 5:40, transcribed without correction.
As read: 2:22
